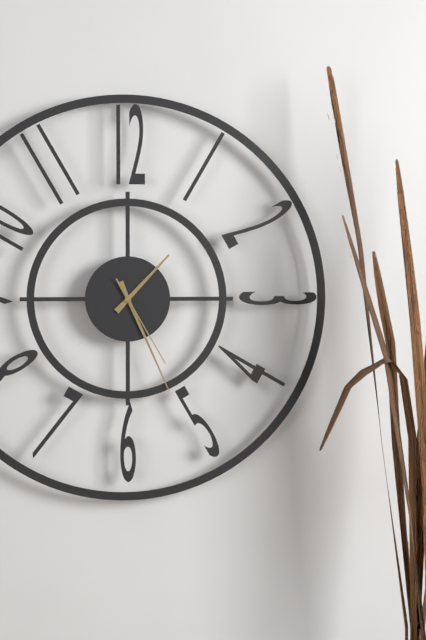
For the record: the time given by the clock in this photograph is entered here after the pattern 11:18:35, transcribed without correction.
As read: 1:26:25
